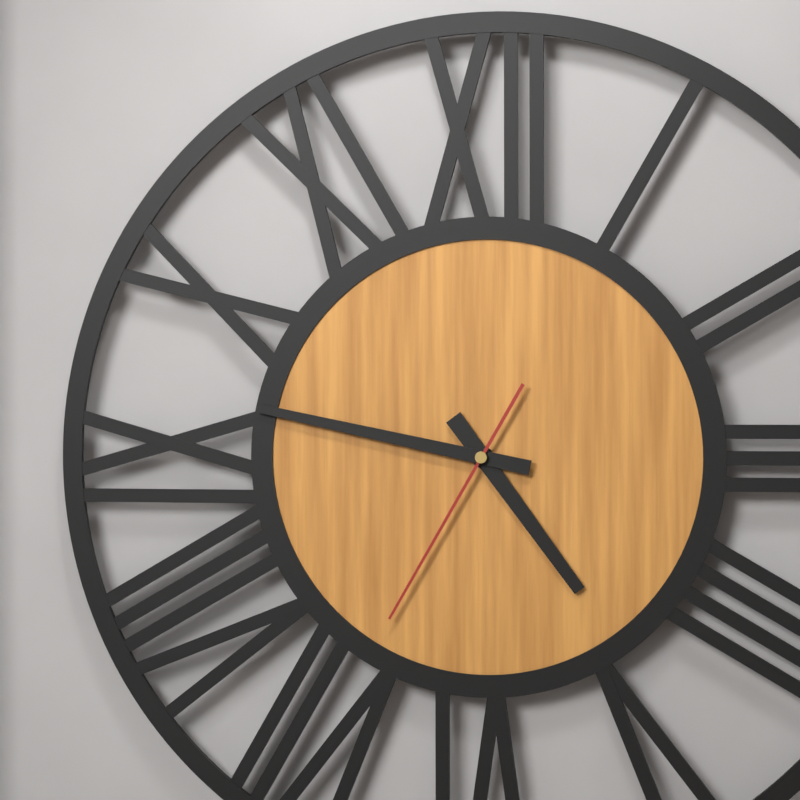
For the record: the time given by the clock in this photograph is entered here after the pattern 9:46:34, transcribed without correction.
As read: 4:47:35
